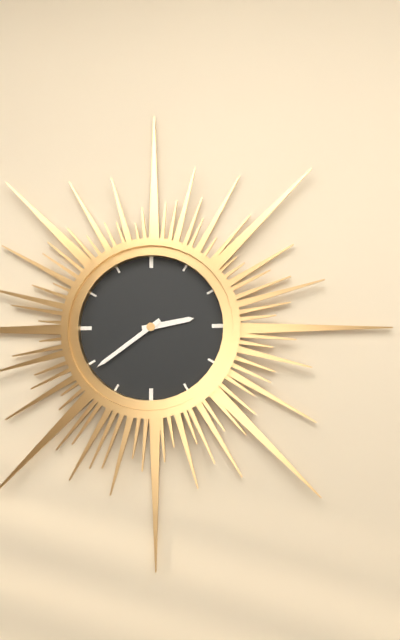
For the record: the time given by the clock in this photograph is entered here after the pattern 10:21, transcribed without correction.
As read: 2:39
